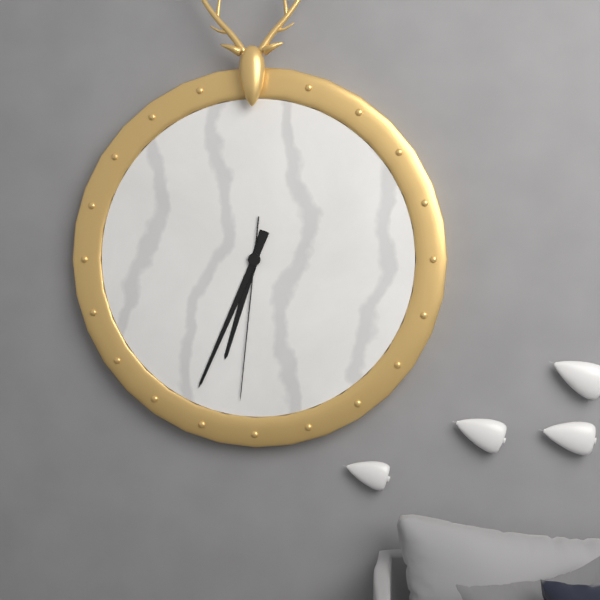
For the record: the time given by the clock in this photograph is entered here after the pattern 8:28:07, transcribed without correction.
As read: 6:34:31
